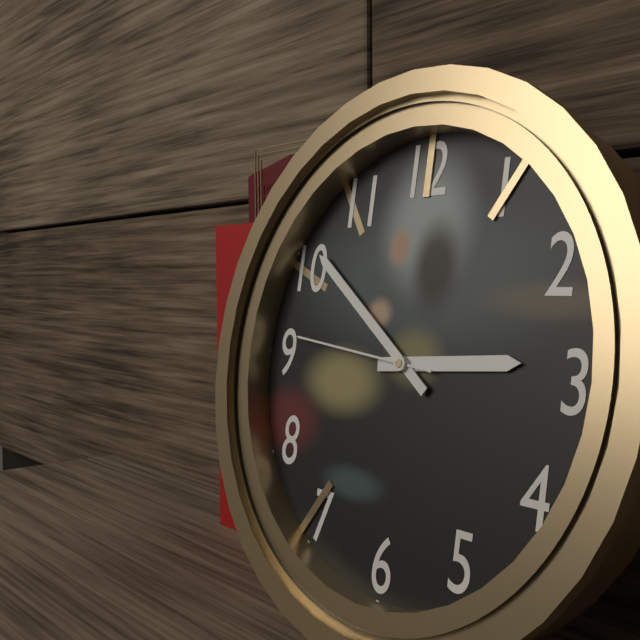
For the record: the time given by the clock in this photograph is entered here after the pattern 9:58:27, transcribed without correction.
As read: 2:51:46
